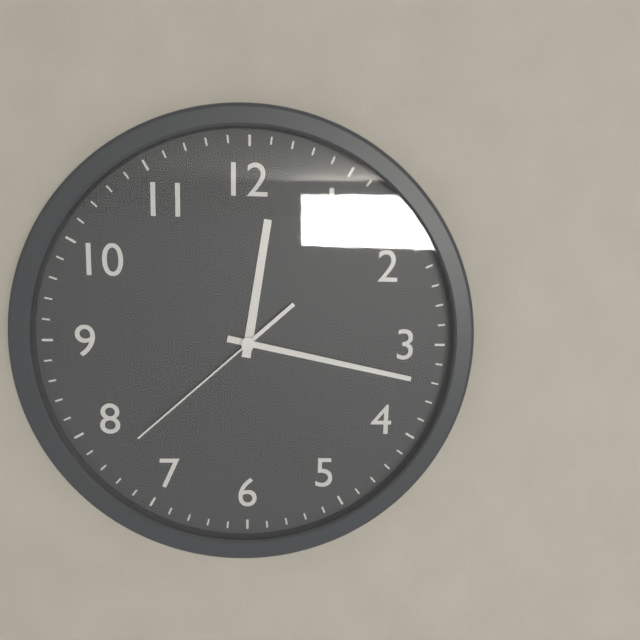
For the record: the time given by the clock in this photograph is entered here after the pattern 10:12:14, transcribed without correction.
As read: 12:17:38
